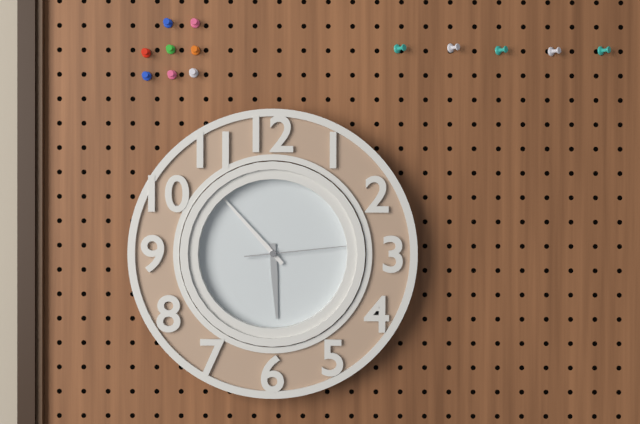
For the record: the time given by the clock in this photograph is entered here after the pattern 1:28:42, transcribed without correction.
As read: 5:53:14
